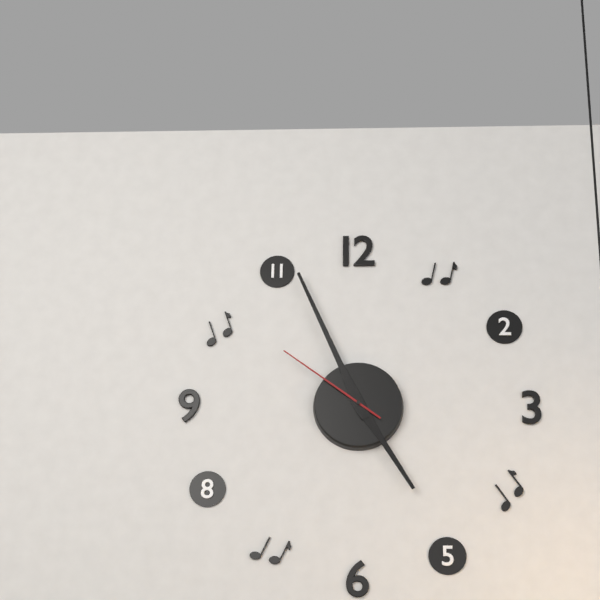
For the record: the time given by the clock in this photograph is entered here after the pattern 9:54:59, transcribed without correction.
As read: 4:56:51
